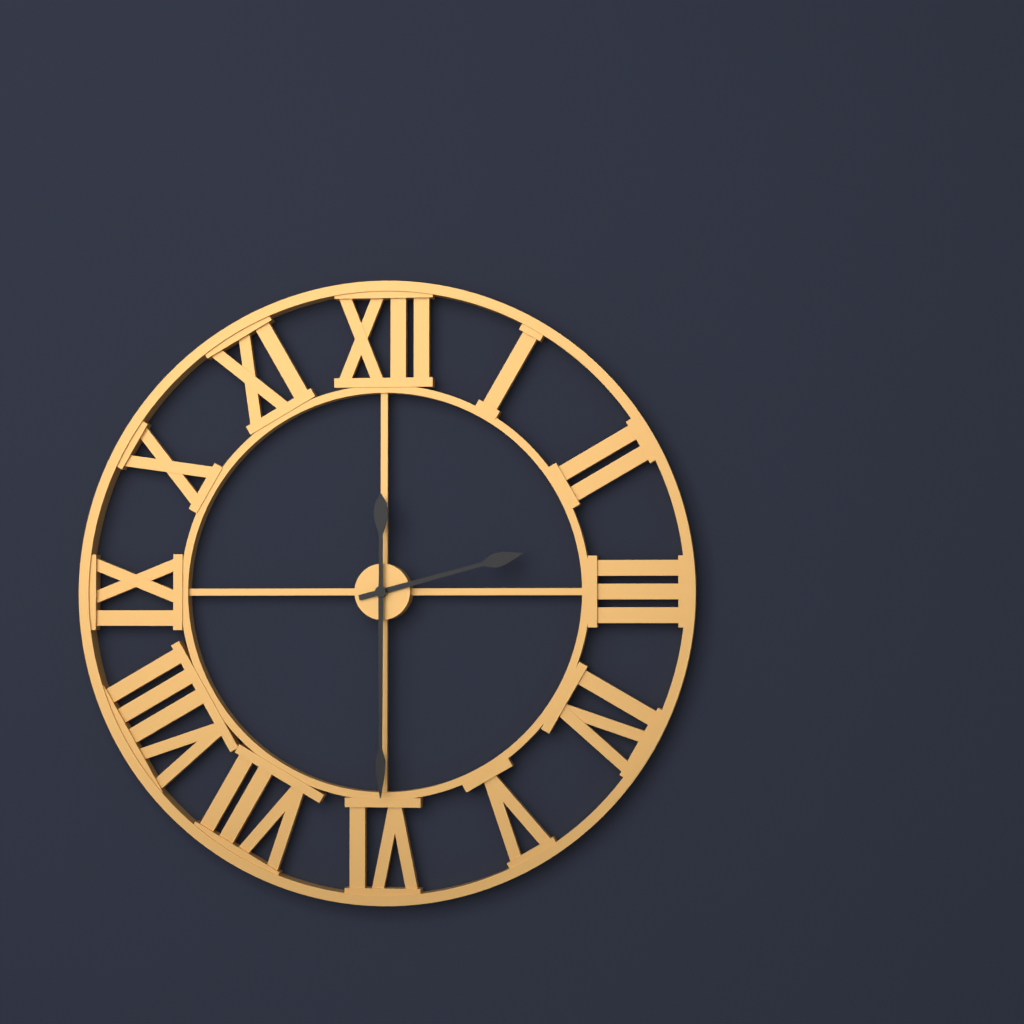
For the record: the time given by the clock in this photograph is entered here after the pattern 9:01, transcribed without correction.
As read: 2:30
